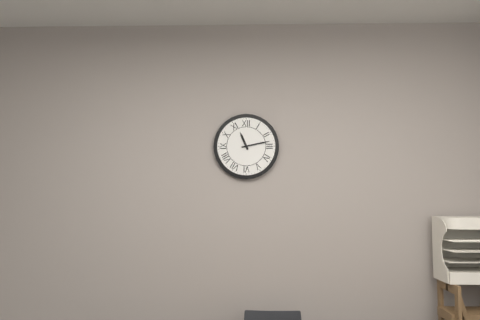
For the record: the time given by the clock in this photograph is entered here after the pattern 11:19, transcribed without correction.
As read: 11:13
